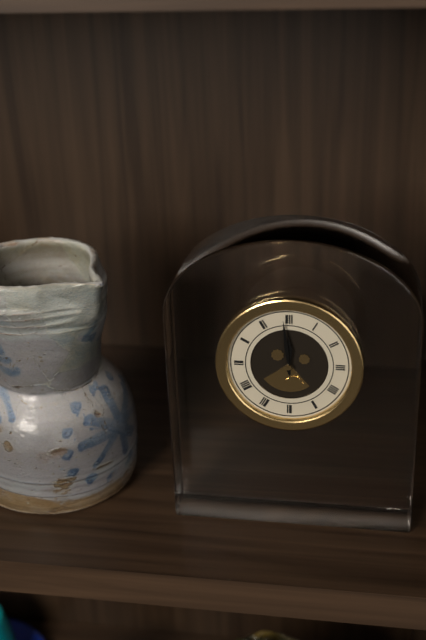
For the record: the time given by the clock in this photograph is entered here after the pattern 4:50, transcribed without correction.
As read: 11:59
